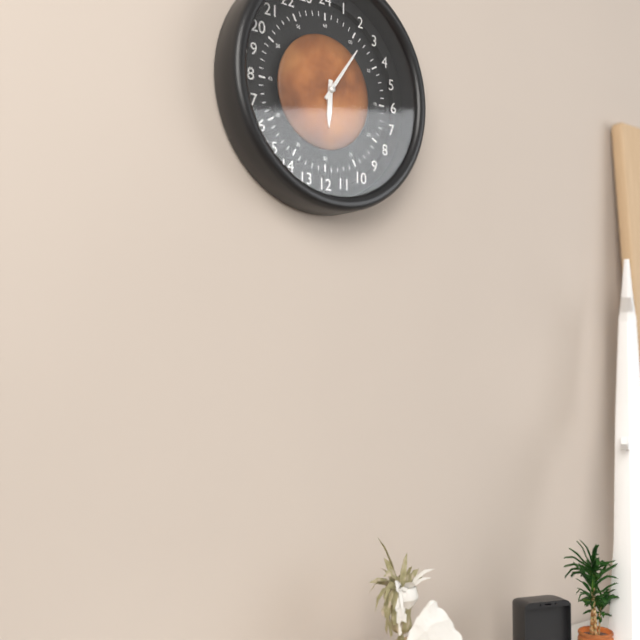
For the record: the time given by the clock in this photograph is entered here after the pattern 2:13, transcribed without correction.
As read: 6:06
